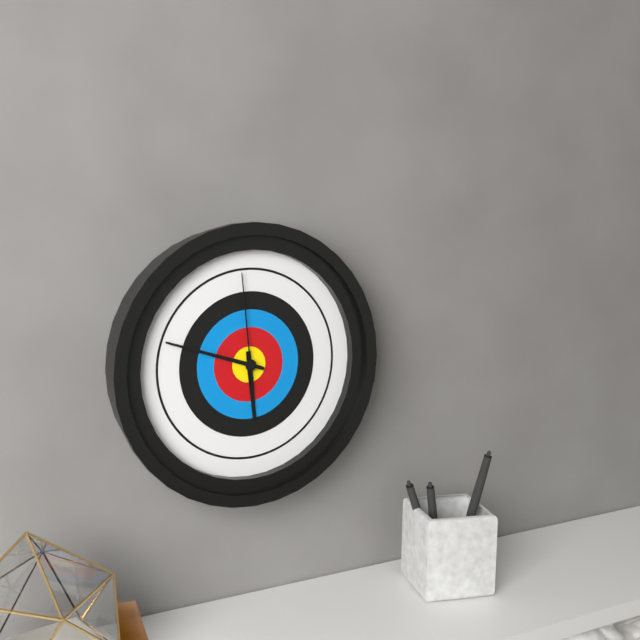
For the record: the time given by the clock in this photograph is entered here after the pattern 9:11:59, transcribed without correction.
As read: 5:48:59
